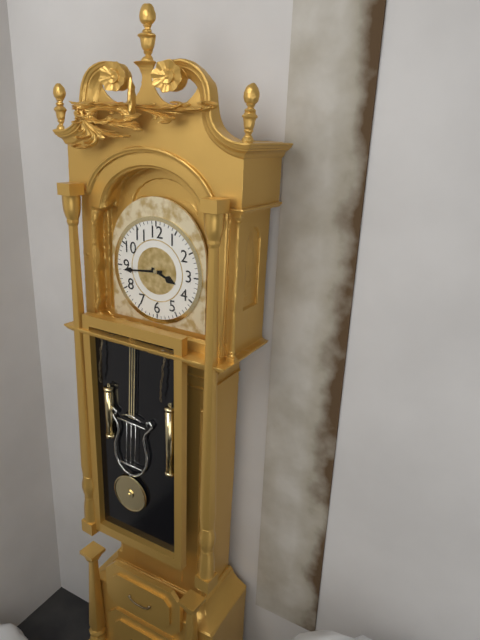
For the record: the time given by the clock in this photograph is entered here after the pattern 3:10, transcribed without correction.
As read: 3:44
